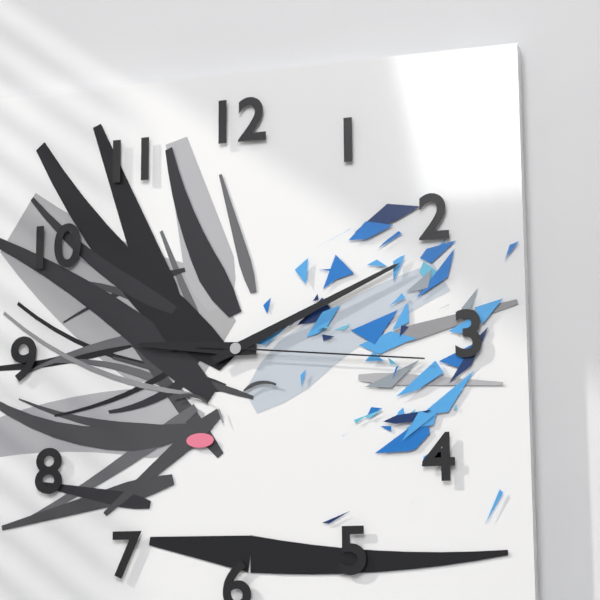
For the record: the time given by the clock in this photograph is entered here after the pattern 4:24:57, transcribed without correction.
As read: 9:11:16
